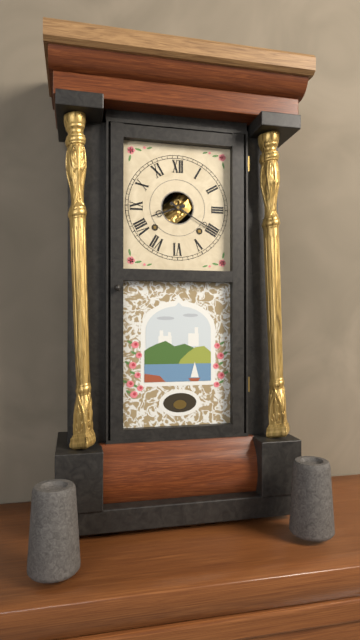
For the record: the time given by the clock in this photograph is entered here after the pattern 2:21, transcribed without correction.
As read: 8:20
